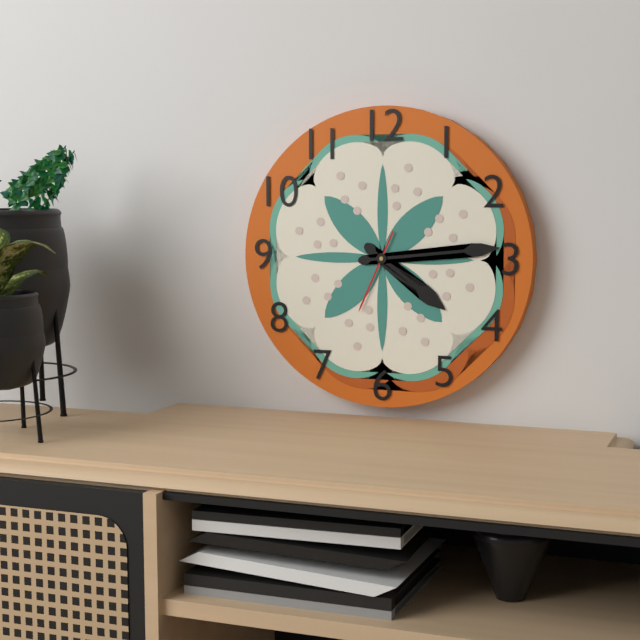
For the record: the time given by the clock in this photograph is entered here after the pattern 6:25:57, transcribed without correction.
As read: 4:14:34
